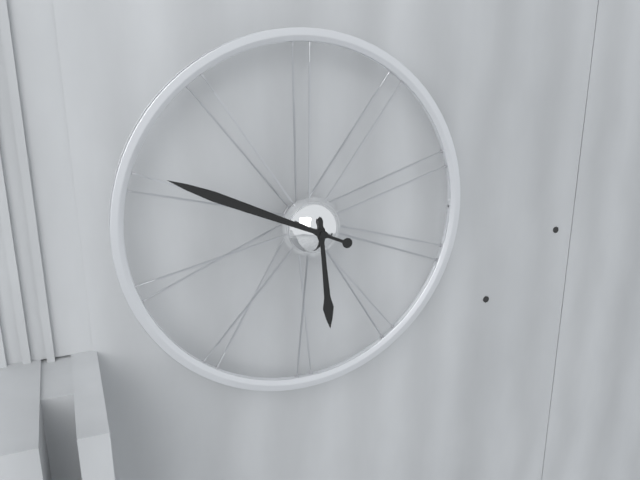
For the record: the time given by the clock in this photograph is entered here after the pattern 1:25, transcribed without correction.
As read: 5:49
